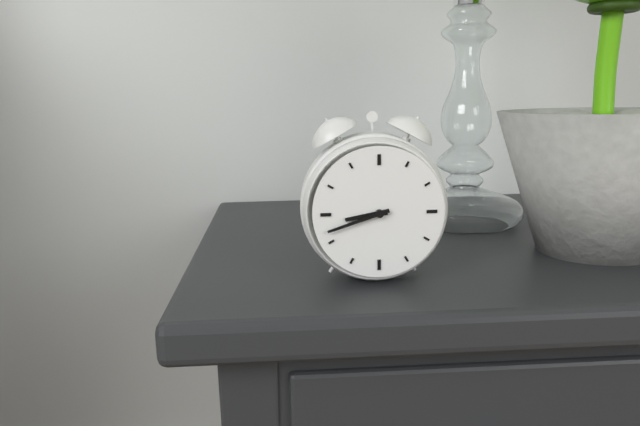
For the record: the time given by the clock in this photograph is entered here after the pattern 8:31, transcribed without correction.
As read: 8:42
